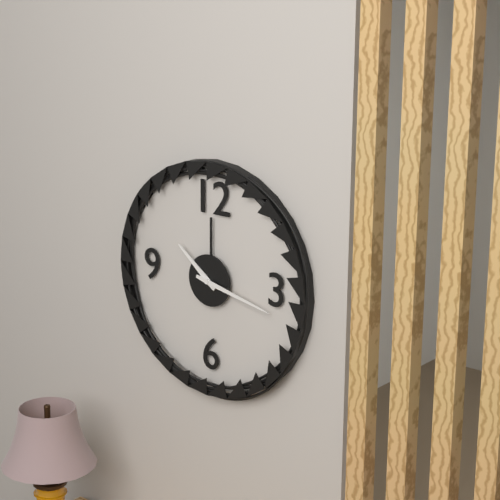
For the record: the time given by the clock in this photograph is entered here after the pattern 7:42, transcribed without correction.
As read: 10:17
